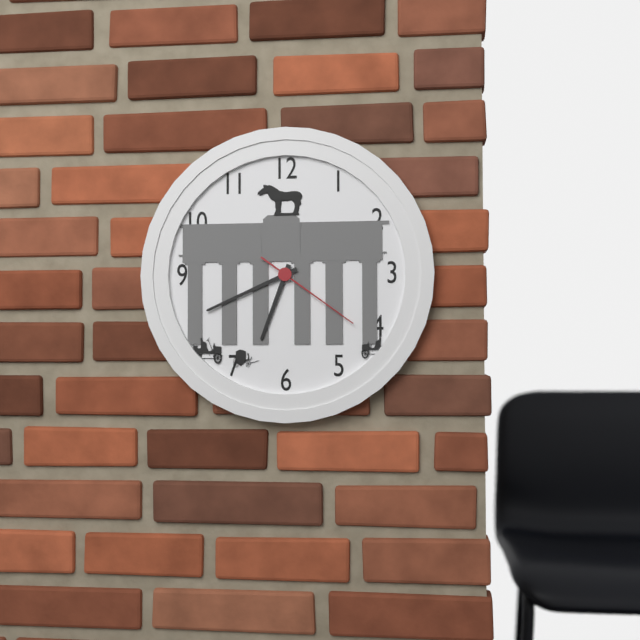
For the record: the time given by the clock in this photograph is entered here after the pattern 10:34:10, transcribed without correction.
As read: 6:41:21
